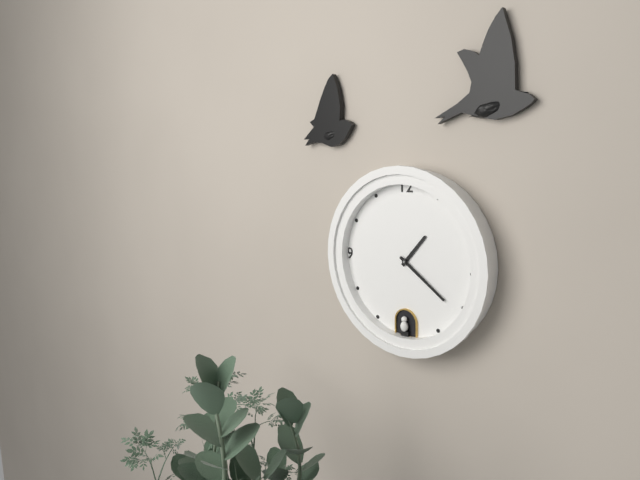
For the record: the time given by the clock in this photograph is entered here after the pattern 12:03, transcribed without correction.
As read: 1:21
